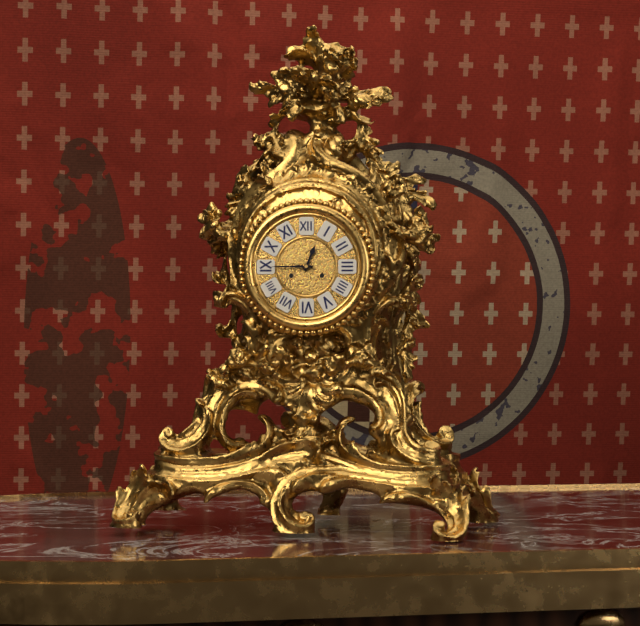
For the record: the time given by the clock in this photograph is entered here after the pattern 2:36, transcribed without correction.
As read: 12:45
